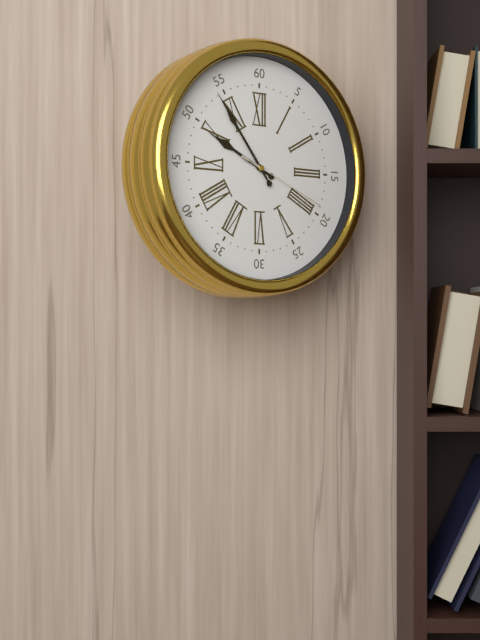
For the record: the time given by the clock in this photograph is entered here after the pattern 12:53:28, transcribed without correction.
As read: 9:54:19
